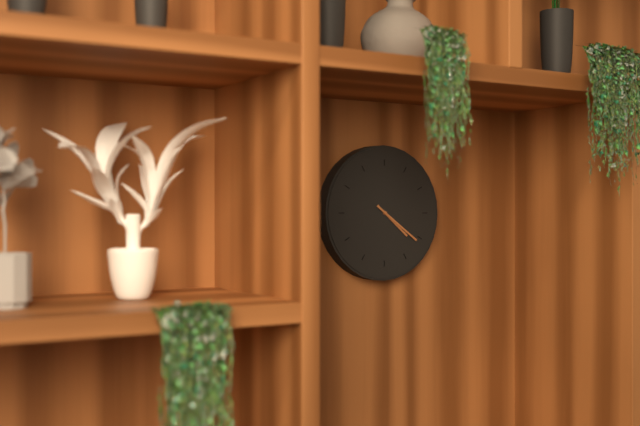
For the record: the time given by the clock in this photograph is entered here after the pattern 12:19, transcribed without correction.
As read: 4:21
